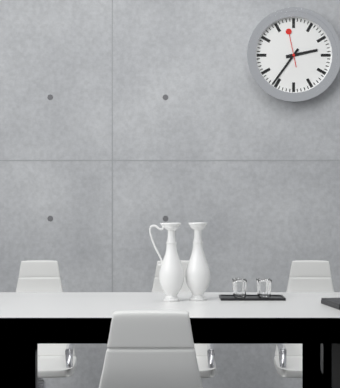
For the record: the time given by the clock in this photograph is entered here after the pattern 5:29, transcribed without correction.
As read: 2:36
